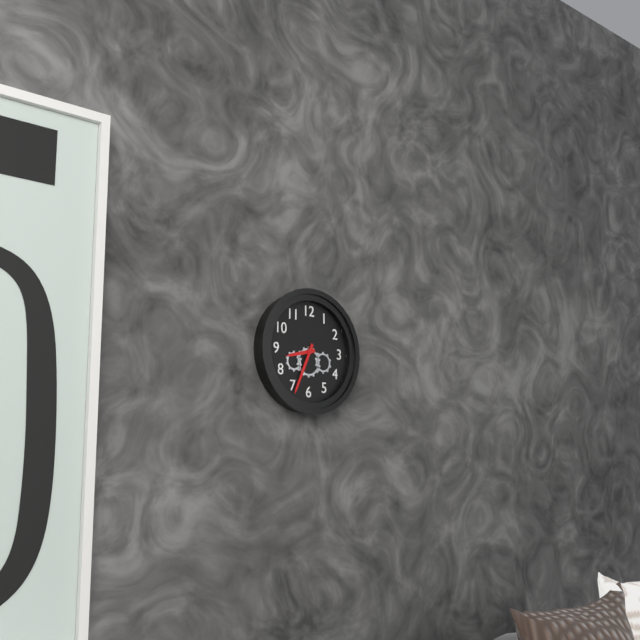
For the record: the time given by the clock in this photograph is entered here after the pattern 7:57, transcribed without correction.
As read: 8:34
